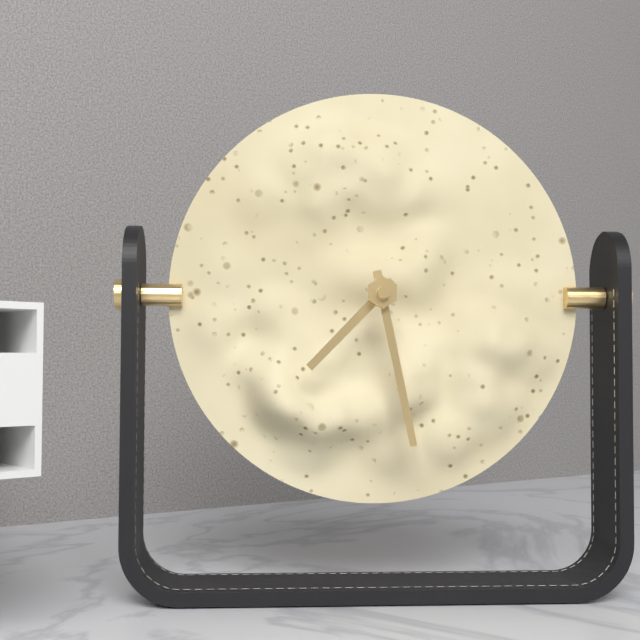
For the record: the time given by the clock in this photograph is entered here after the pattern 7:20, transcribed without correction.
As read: 7:28
